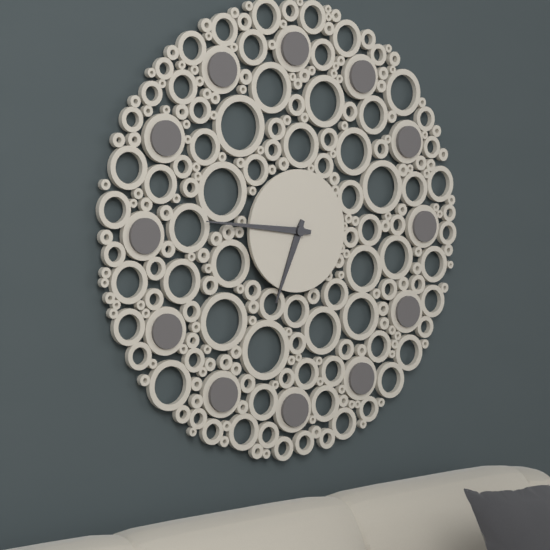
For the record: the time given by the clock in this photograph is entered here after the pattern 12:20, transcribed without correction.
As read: 6:46
